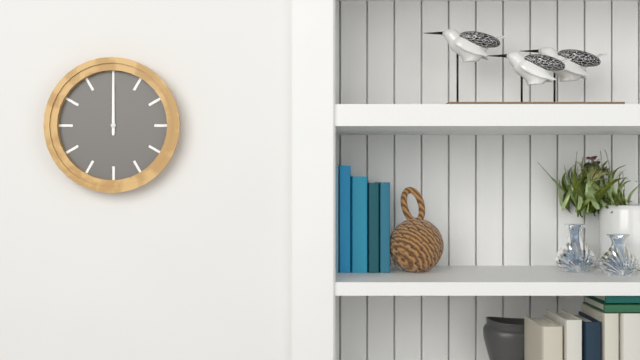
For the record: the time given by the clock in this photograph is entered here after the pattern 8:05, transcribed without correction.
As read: 12:00
